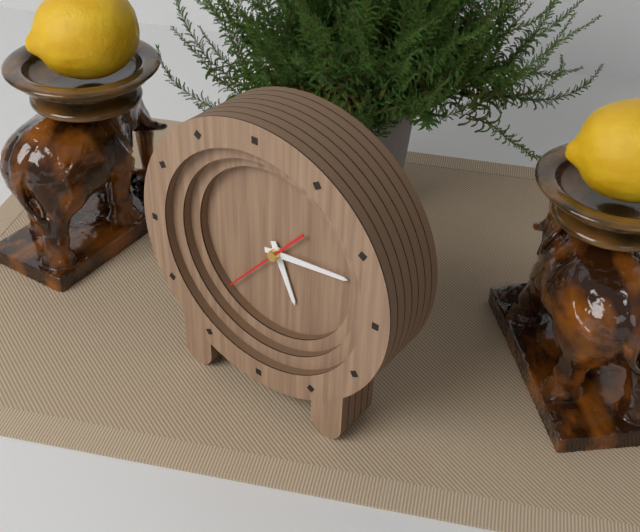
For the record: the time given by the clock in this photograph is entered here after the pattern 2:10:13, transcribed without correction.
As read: 5:14:37
